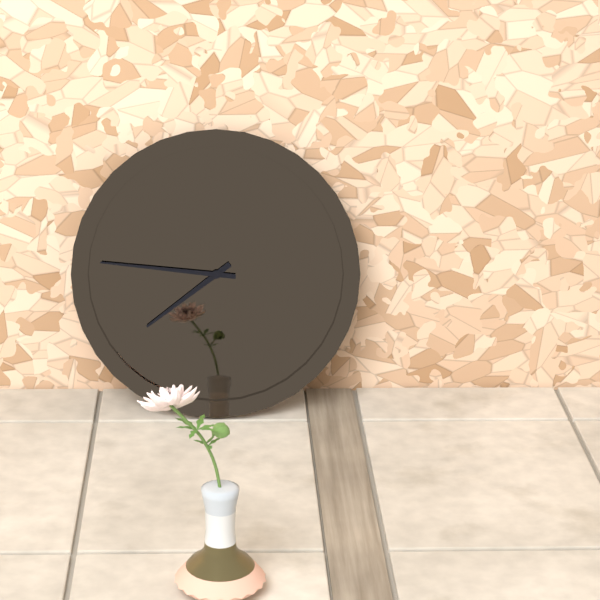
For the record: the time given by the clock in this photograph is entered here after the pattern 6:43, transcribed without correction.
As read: 7:46
